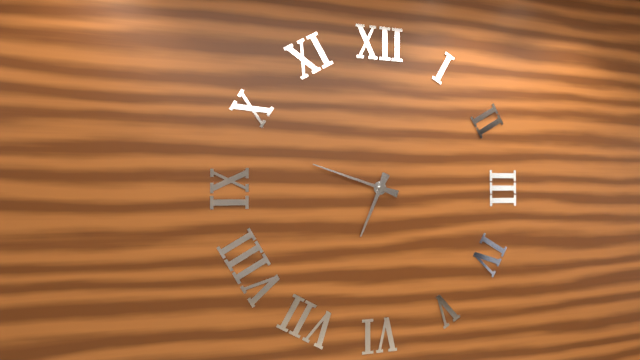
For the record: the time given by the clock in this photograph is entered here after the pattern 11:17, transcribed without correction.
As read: 6:48
